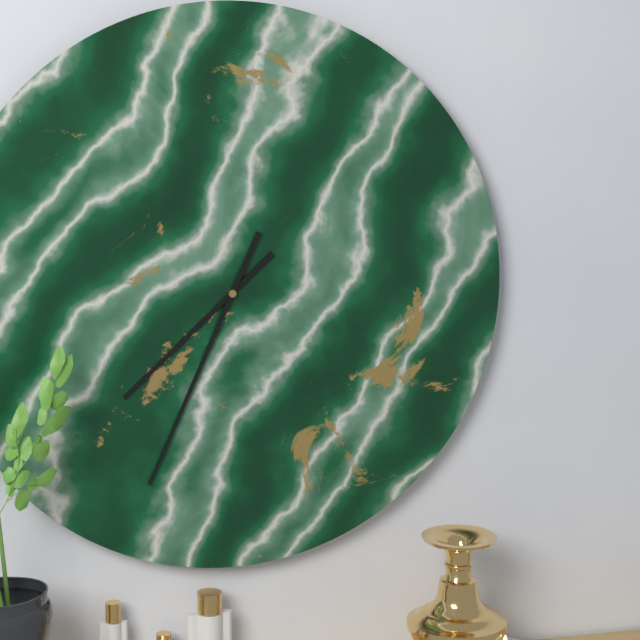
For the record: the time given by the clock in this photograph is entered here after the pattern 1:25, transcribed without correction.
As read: 7:34
